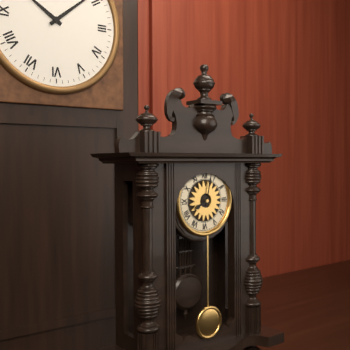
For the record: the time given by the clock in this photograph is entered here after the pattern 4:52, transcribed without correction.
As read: 8:02
